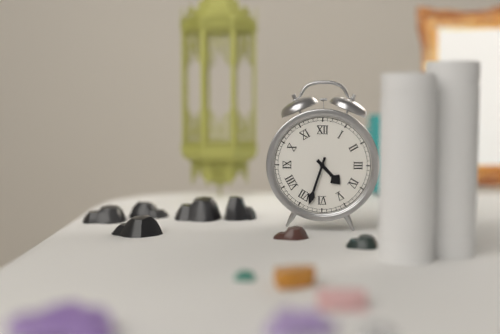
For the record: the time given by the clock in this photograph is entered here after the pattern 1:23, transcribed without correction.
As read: 4:33
